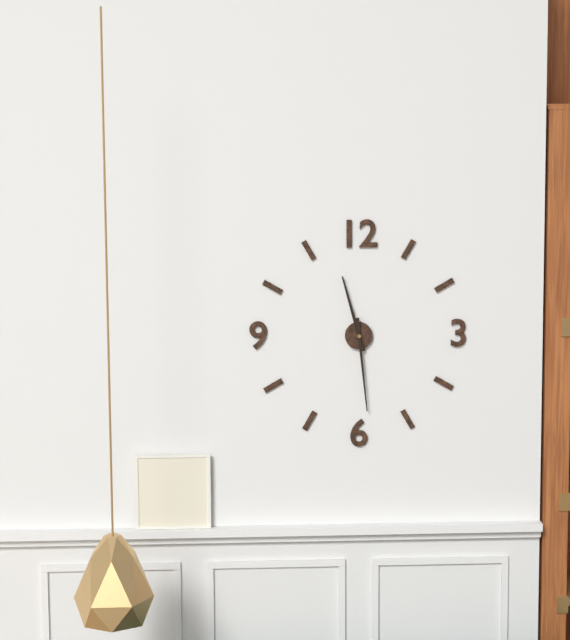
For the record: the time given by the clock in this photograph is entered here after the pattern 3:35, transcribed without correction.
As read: 11:29
